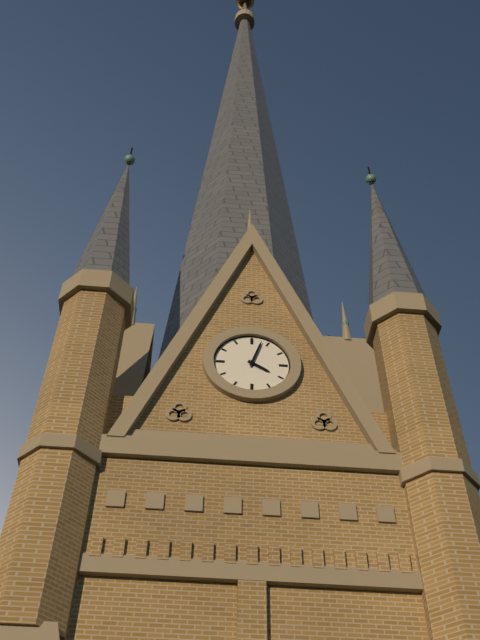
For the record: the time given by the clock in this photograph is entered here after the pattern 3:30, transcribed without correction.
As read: 4:03
